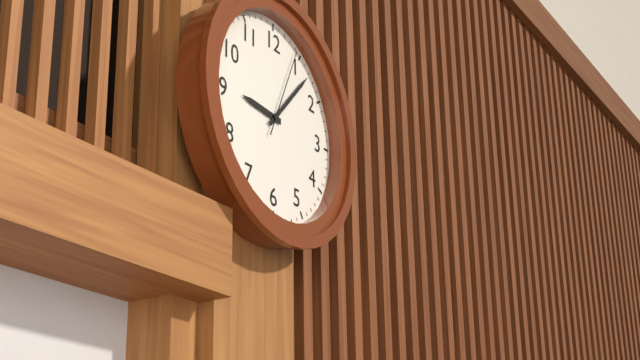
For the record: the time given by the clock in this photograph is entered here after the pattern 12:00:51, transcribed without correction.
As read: 9:07:04
